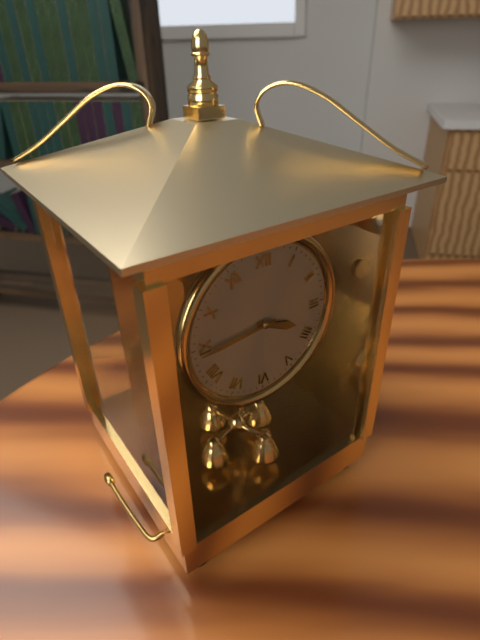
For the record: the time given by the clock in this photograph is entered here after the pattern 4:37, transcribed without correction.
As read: 3:44
